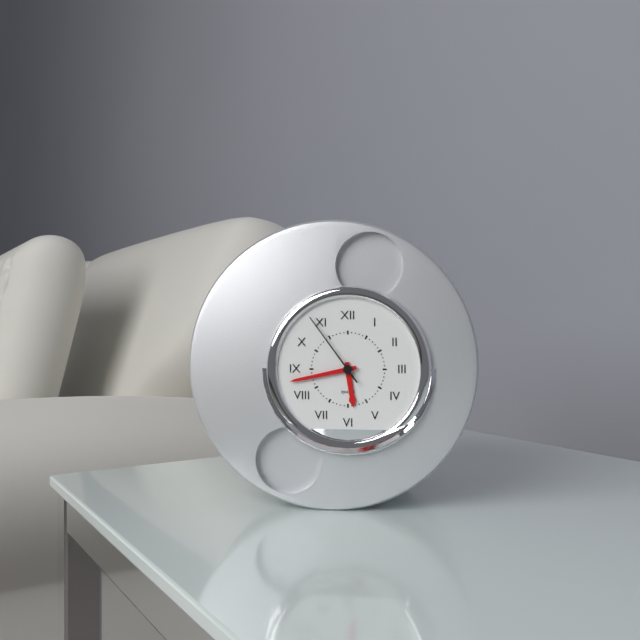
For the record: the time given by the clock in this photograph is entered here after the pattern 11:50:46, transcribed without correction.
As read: 5:43:54
